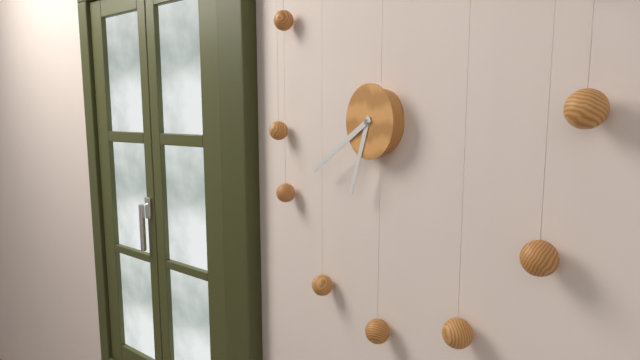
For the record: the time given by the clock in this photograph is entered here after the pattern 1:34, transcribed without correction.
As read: 6:40
